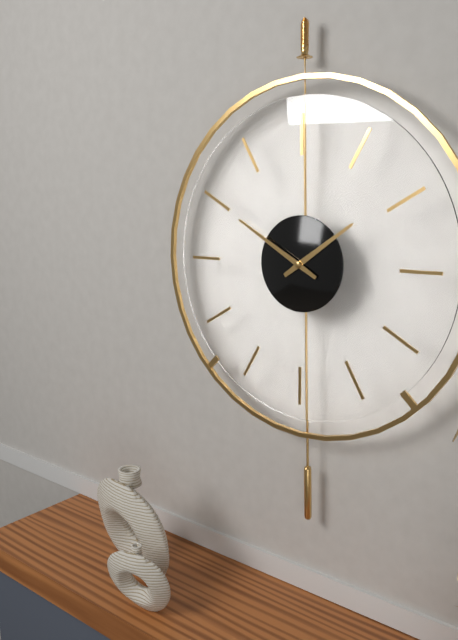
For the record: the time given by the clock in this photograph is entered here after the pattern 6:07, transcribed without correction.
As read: 1:50
